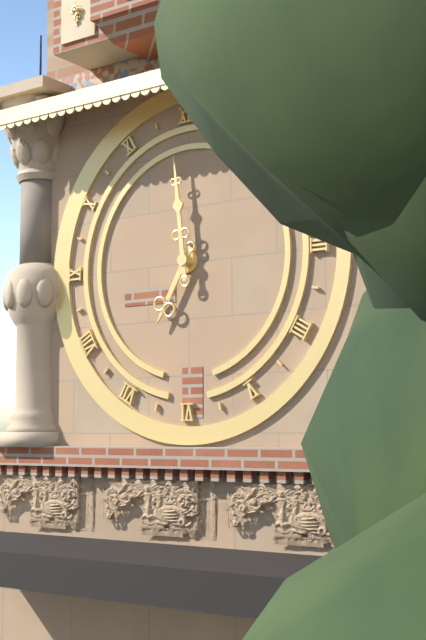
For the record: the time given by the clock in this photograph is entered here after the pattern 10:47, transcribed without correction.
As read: 6:59
